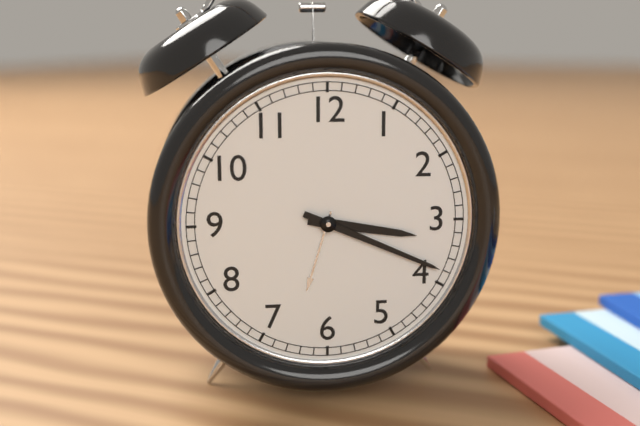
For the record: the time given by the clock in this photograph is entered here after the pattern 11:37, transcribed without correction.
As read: 3:19
